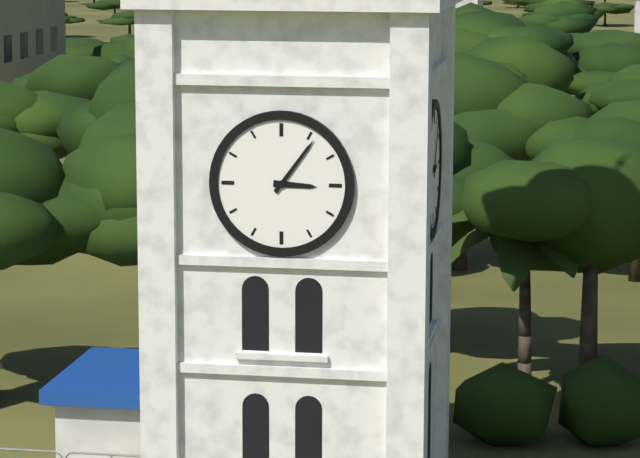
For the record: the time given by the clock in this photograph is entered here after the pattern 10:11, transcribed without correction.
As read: 3:06
